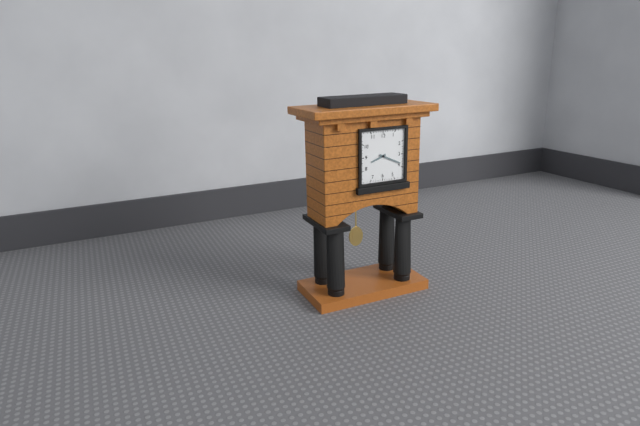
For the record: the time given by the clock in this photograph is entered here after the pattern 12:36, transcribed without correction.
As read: 8:19
